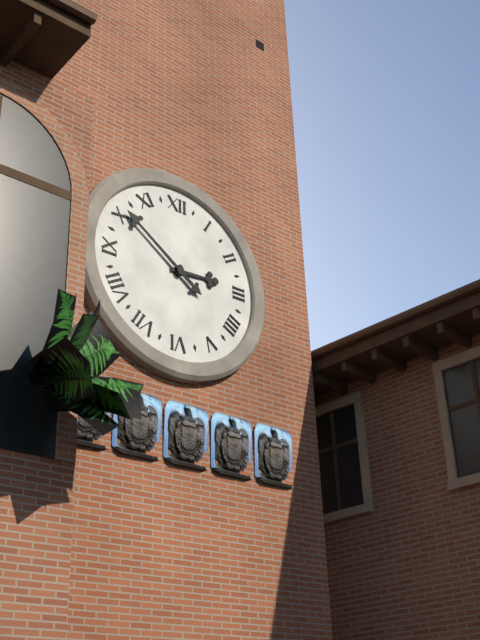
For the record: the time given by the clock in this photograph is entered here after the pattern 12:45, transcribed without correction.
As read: 2:51
